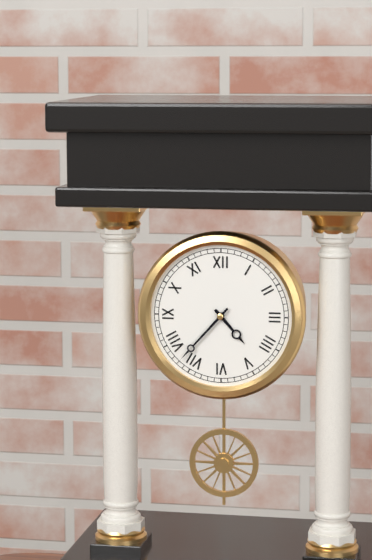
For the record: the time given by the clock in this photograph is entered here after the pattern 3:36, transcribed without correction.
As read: 4:37
